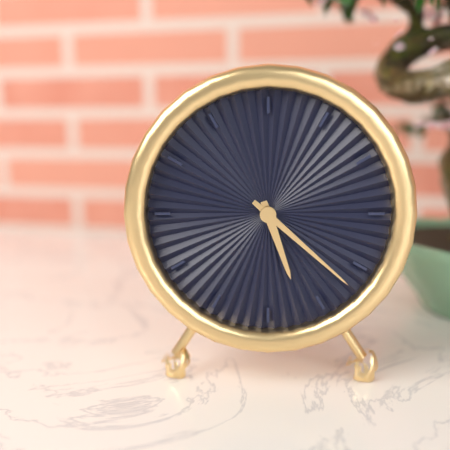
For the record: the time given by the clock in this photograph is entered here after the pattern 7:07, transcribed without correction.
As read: 5:22
